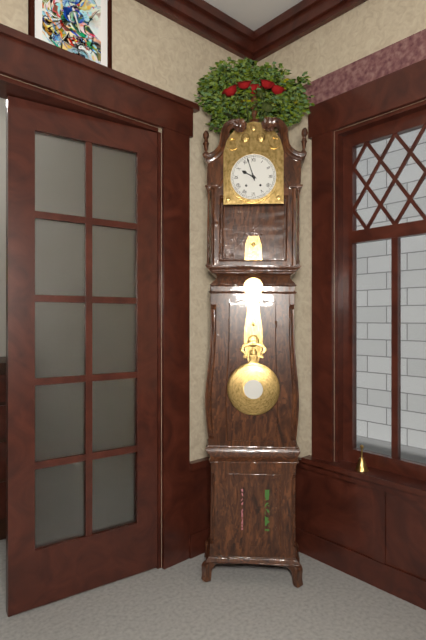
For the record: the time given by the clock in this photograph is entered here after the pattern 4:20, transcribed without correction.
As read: 9:57
